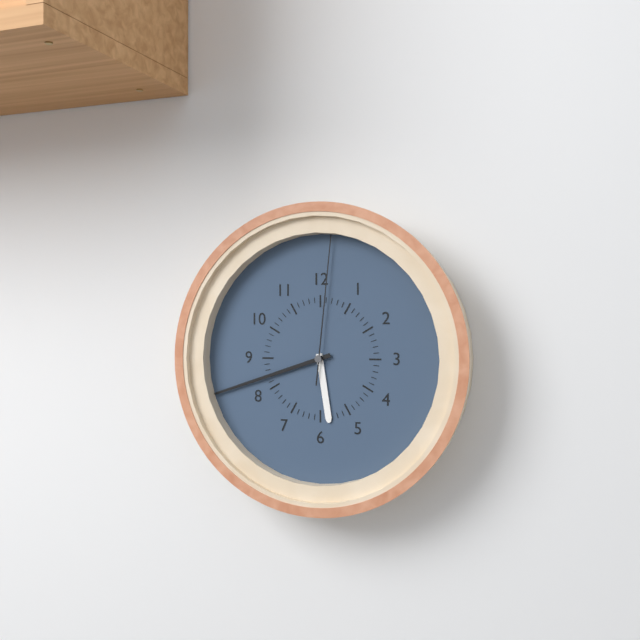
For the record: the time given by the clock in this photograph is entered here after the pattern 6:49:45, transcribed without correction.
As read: 5:42:01
